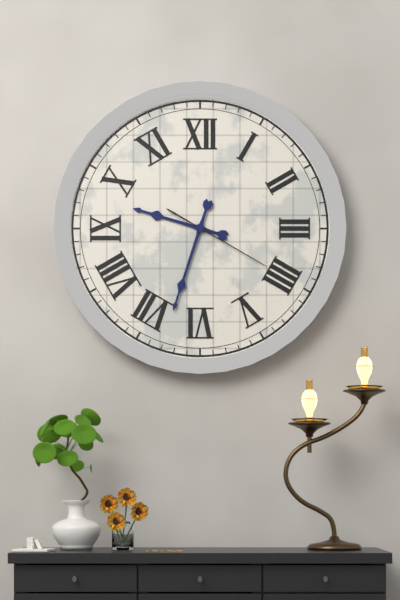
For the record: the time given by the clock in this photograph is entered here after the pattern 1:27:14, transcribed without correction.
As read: 9:33:20
